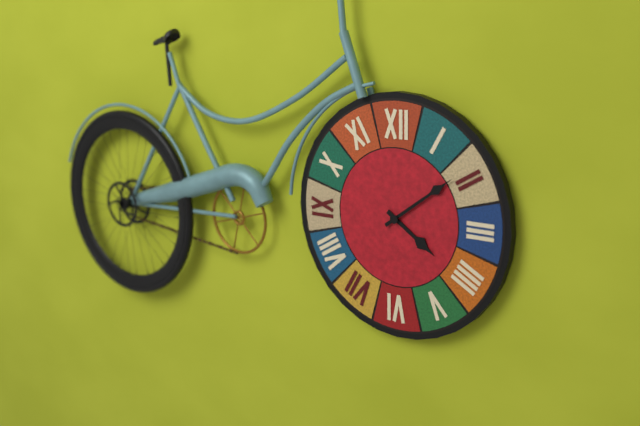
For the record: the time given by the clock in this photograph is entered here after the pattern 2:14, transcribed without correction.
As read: 4:09
